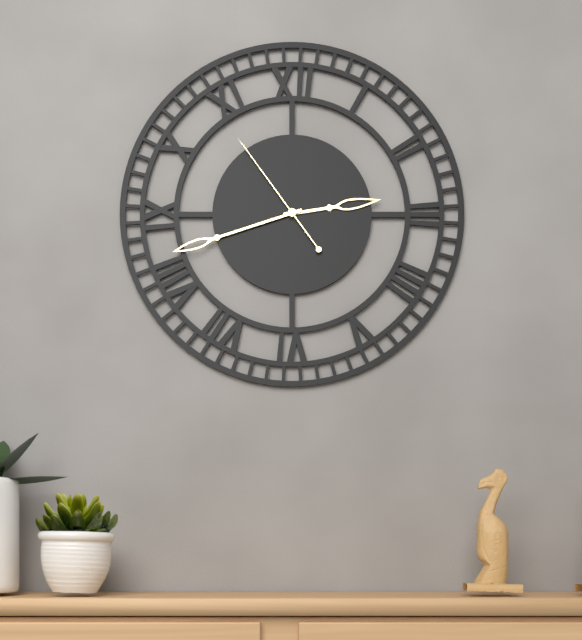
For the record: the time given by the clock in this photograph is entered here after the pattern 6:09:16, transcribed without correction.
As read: 2:42:54
